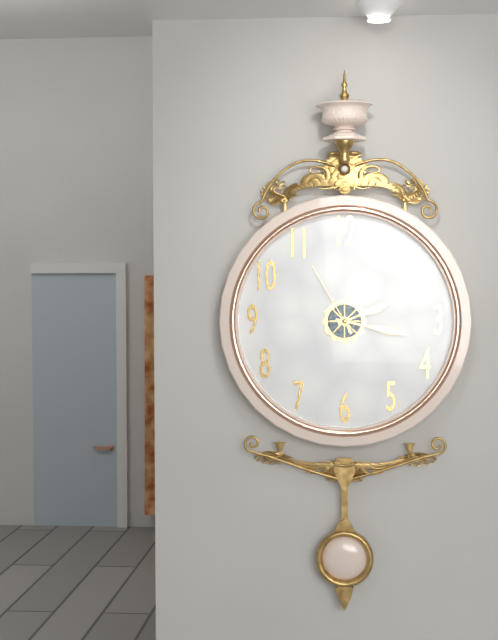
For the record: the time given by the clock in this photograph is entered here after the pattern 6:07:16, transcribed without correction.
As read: 2:17:55
